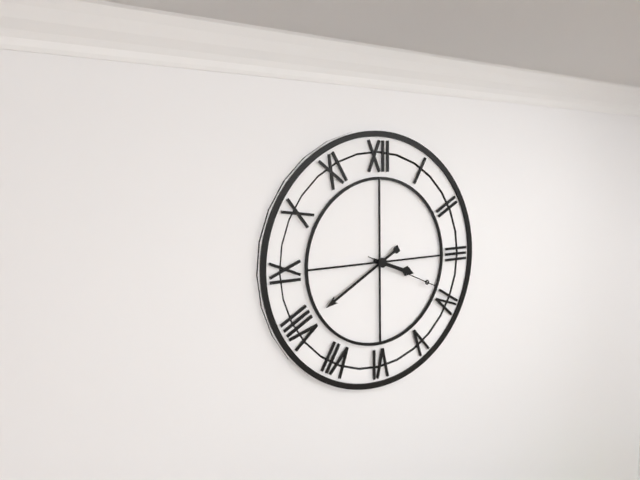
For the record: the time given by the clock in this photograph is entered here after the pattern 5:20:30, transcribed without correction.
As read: 3:40:19
